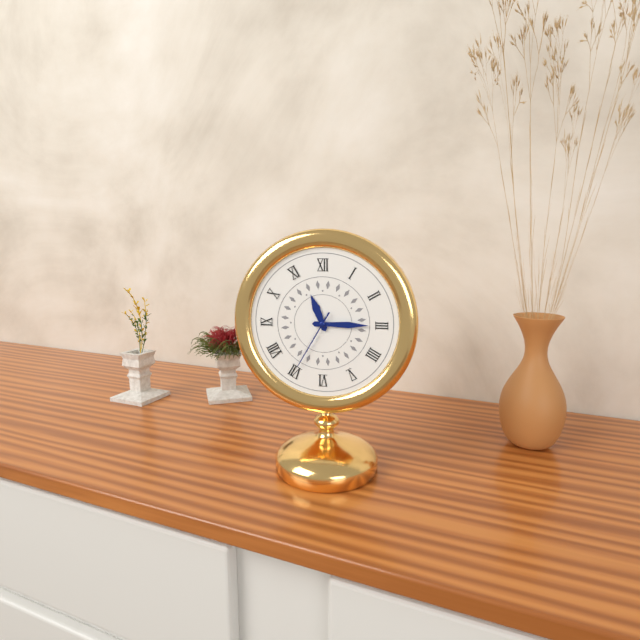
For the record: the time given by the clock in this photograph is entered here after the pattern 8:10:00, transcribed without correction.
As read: 11:15:35
